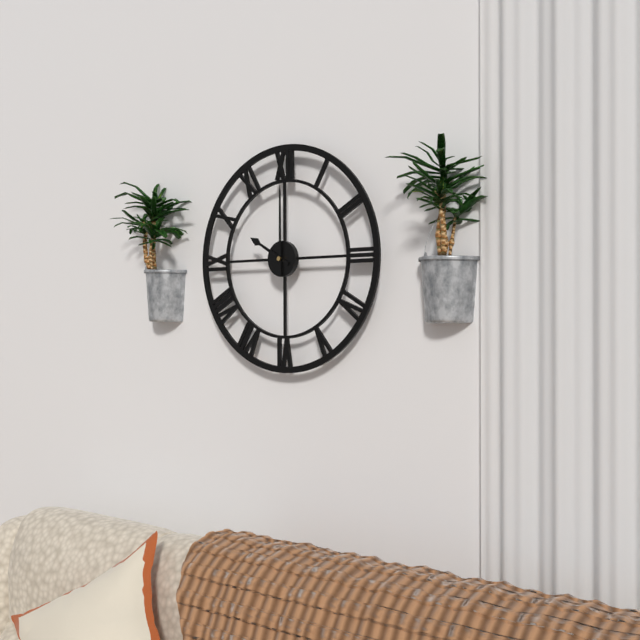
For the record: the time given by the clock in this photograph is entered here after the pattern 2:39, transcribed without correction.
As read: 10:00
